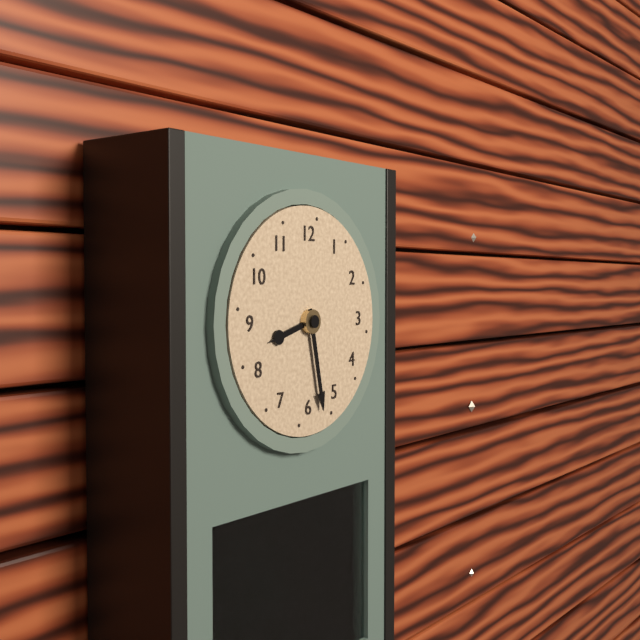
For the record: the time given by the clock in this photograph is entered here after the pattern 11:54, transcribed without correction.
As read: 8:28
